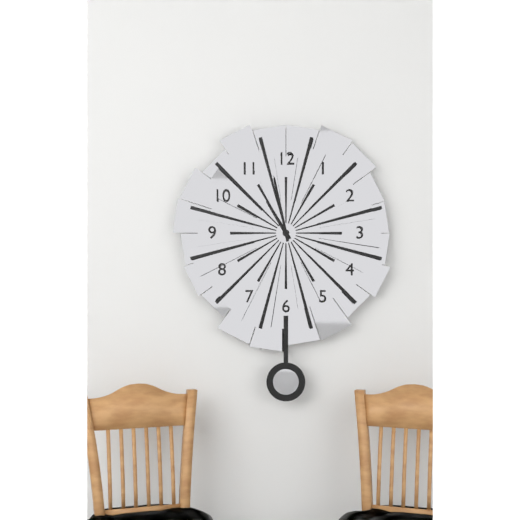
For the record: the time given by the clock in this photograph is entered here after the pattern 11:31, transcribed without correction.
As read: 10:58
